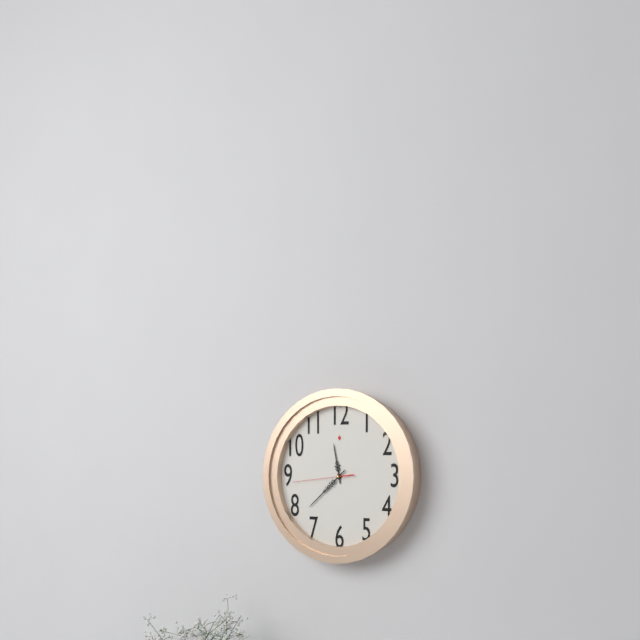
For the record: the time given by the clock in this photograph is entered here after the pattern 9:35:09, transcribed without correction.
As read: 11:38:44
